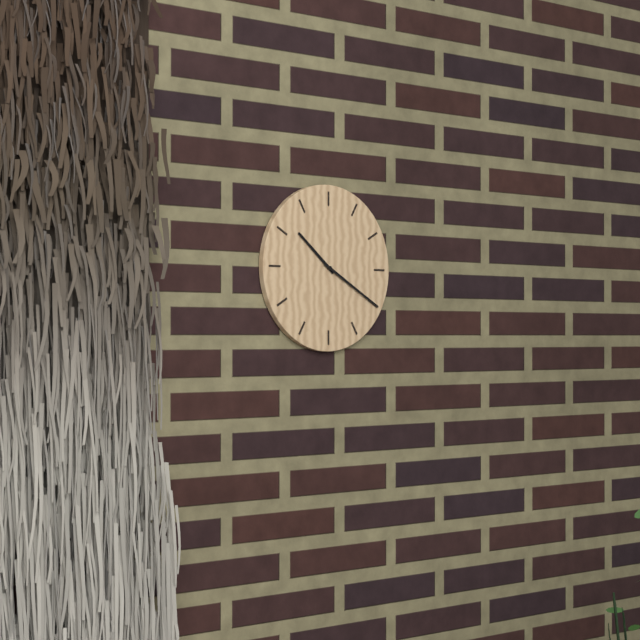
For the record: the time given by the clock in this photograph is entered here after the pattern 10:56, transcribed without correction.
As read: 10:20
